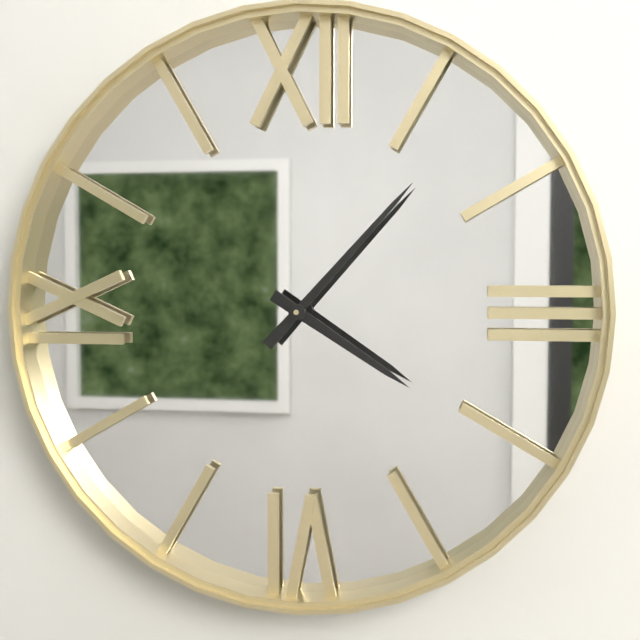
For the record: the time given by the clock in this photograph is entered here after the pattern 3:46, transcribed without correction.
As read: 4:07
